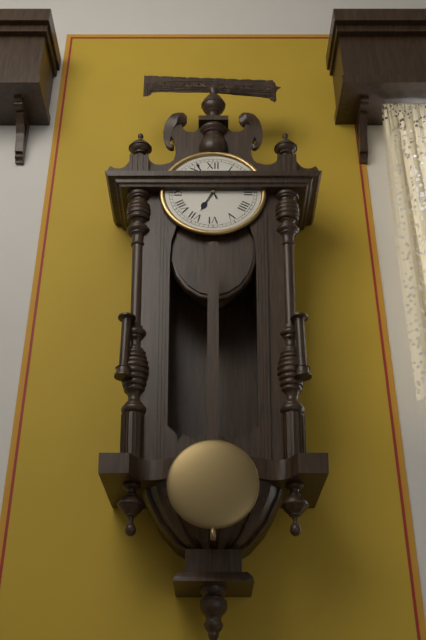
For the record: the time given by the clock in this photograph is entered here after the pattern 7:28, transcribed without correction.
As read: 6:56
